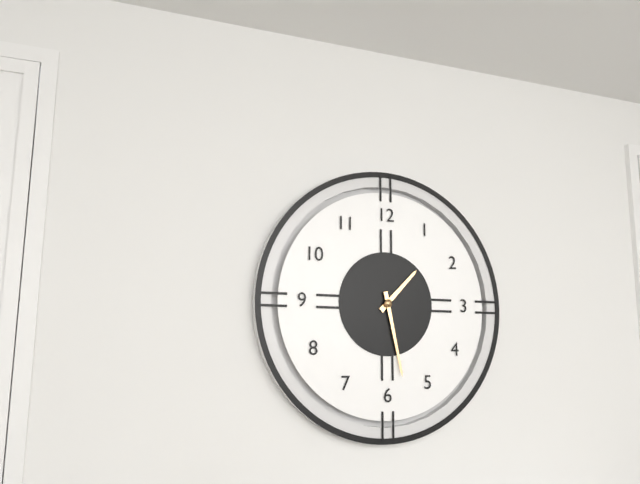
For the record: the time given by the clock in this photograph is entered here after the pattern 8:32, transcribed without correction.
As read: 1:28
